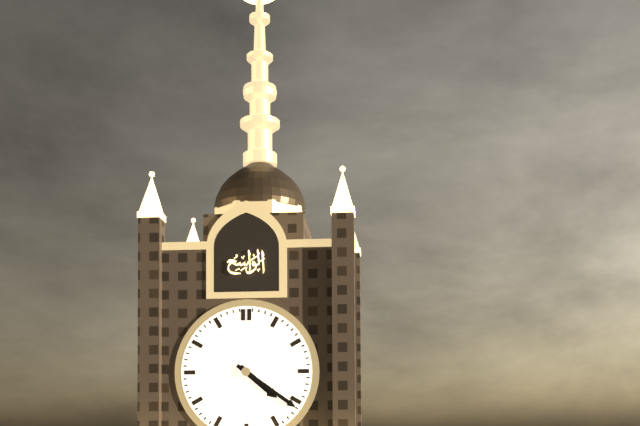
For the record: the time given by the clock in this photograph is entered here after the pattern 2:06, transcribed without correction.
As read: 4:21
